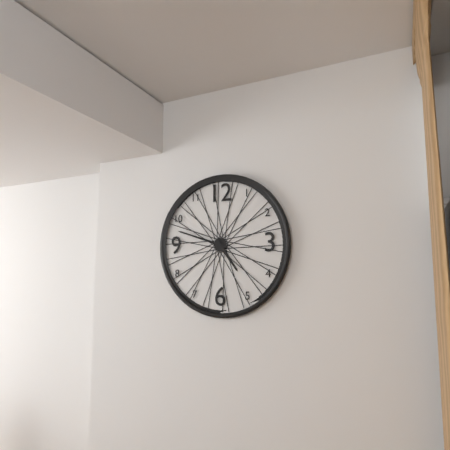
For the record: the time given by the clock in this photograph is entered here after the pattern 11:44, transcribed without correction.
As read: 4:48
